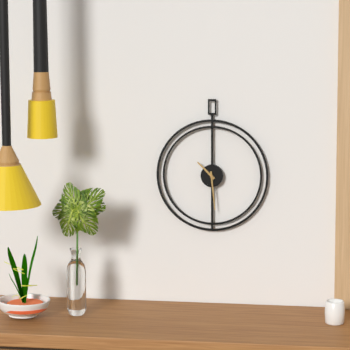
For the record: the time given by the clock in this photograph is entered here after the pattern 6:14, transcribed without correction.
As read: 10:29
